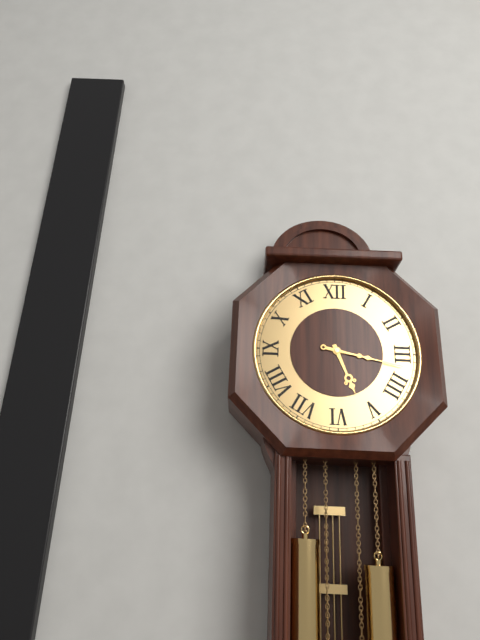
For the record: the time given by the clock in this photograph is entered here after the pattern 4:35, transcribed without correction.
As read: 5:17
